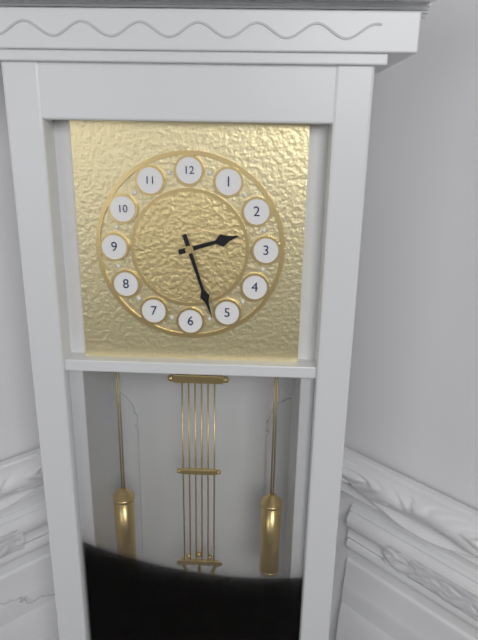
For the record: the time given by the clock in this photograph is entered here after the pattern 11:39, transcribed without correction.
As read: 2:27
